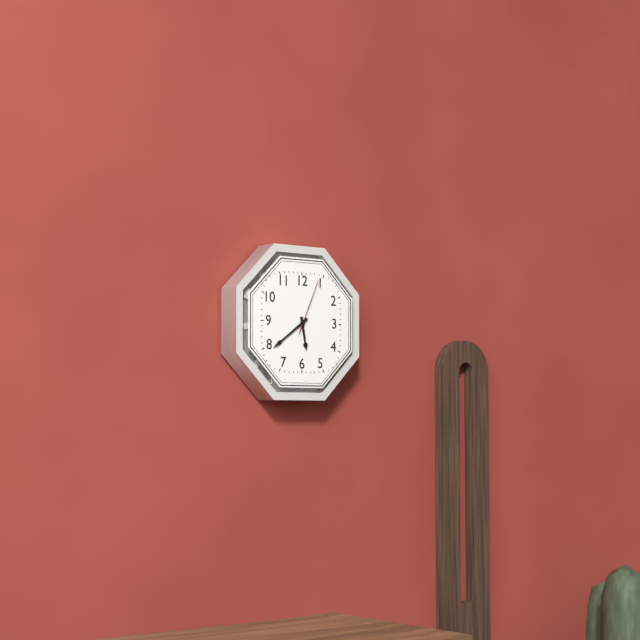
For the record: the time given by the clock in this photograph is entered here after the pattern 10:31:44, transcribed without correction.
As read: 5:39:04
